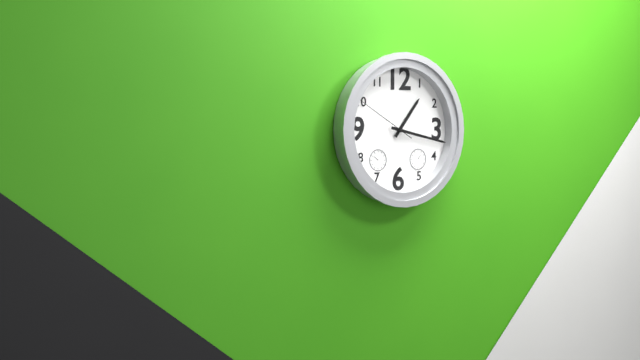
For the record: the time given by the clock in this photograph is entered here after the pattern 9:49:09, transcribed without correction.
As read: 1:17:50
